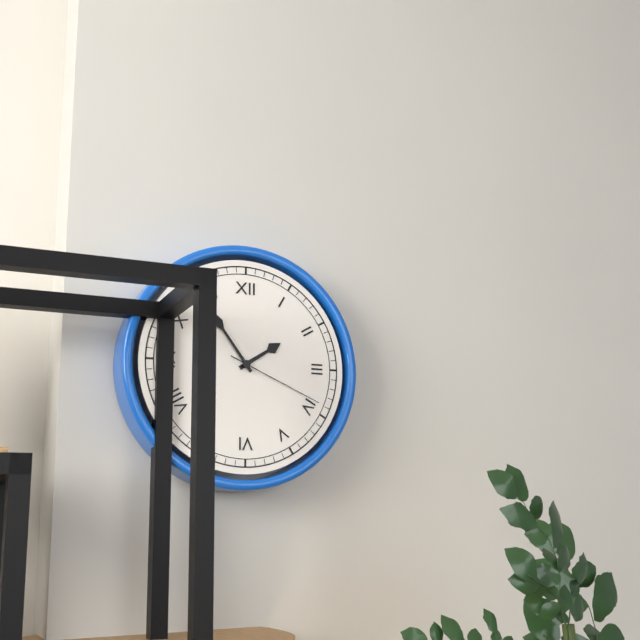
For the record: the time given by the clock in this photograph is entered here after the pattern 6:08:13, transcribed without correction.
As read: 1:54:19
